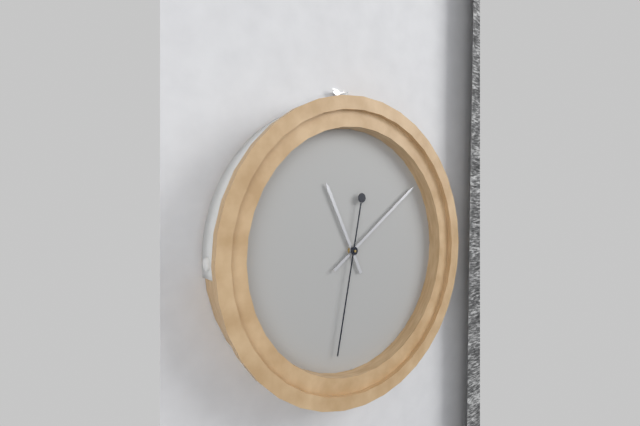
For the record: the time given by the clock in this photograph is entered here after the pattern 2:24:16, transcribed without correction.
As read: 11:09:32
